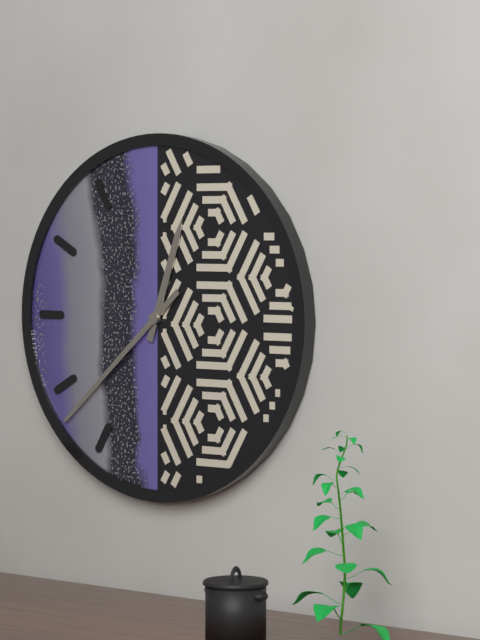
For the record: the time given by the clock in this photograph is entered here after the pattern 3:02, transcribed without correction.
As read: 12:38
